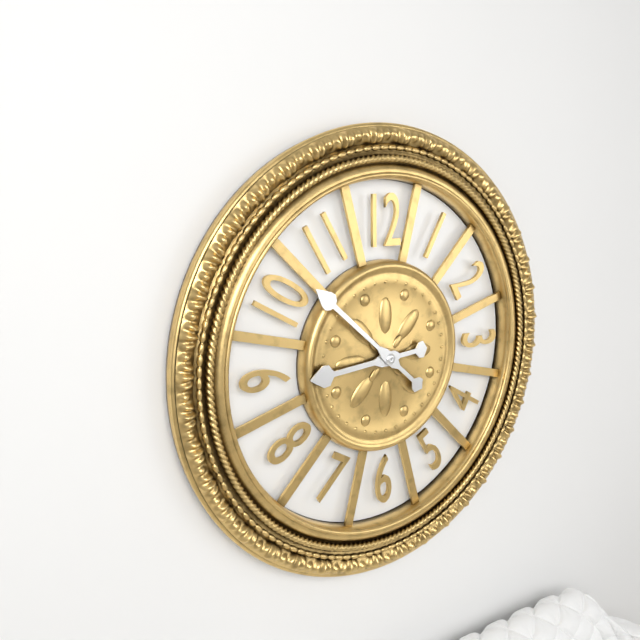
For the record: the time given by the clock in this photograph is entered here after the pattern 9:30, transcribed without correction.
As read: 8:52
